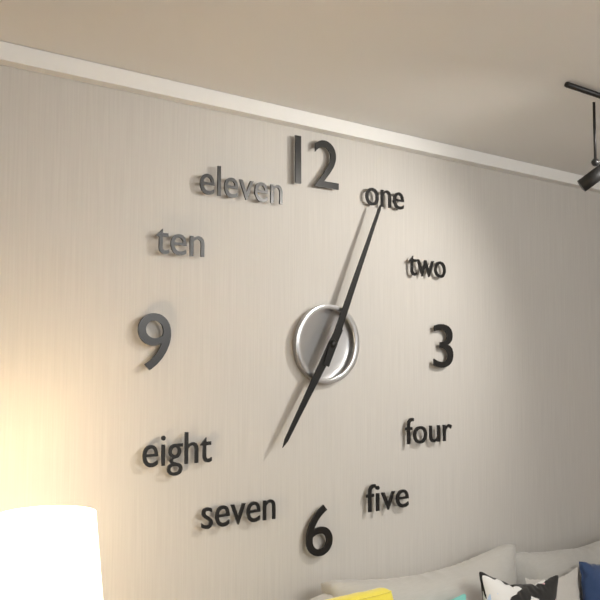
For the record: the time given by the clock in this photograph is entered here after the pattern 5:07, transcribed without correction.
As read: 7:04
